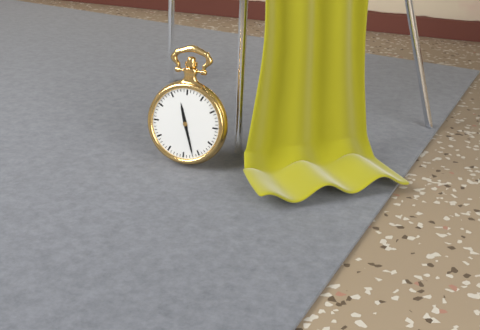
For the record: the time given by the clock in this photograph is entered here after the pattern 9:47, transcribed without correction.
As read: 11:27
